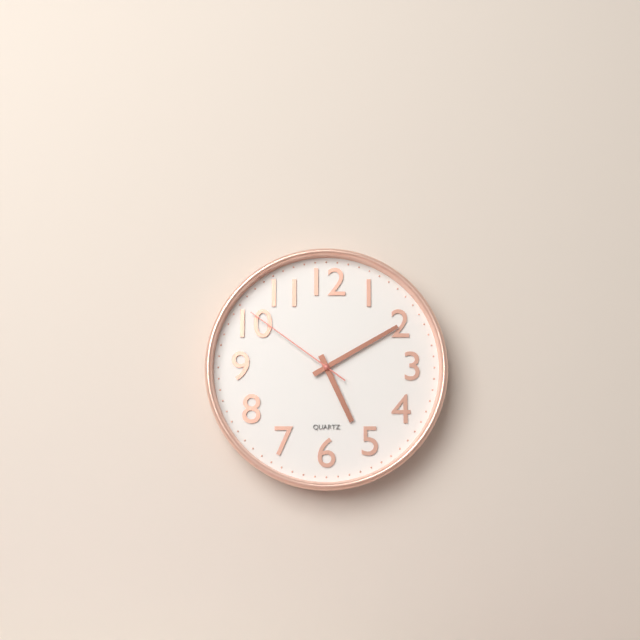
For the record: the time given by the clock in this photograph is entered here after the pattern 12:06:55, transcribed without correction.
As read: 5:10:51
